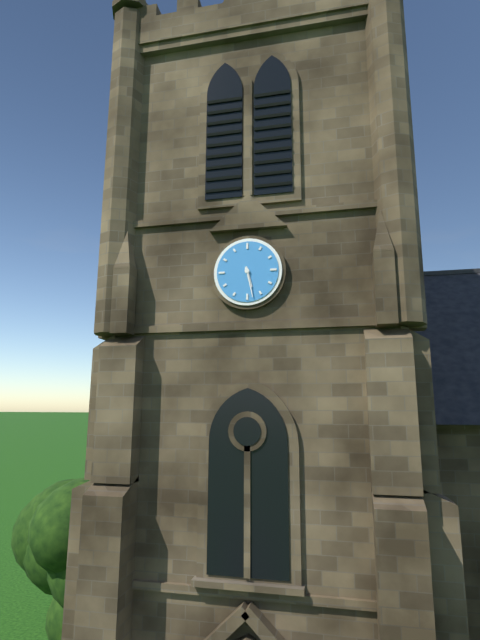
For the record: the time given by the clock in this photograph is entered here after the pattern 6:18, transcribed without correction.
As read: 5:28
